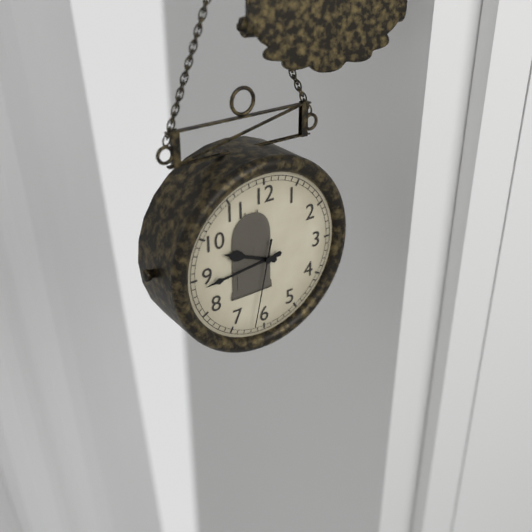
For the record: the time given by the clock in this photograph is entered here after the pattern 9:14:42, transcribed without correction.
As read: 9:44:32
